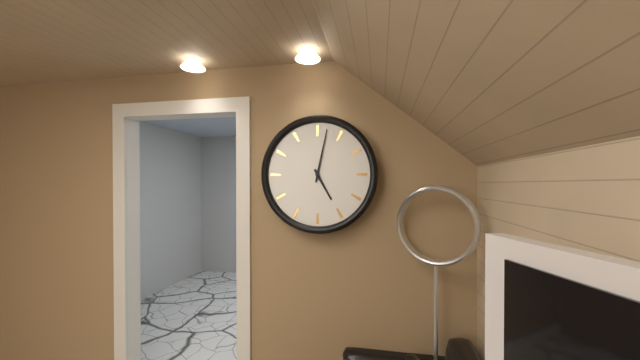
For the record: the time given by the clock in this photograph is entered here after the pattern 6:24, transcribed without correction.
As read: 5:02
